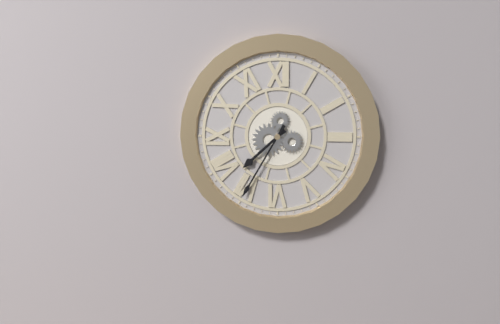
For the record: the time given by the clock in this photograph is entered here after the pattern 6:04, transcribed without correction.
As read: 7:35
